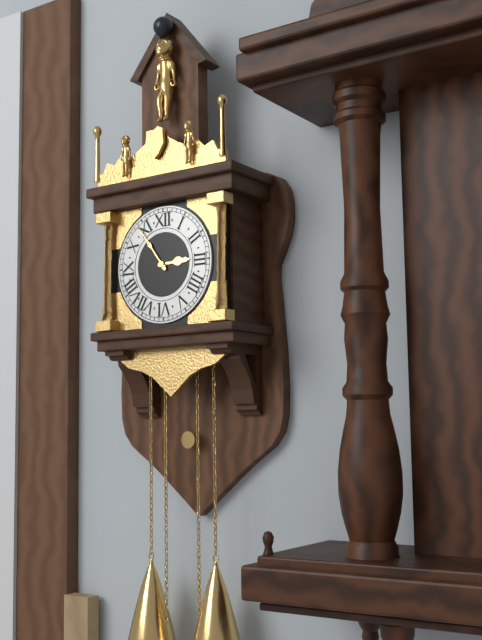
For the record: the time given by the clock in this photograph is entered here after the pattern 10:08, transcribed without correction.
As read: 2:54
